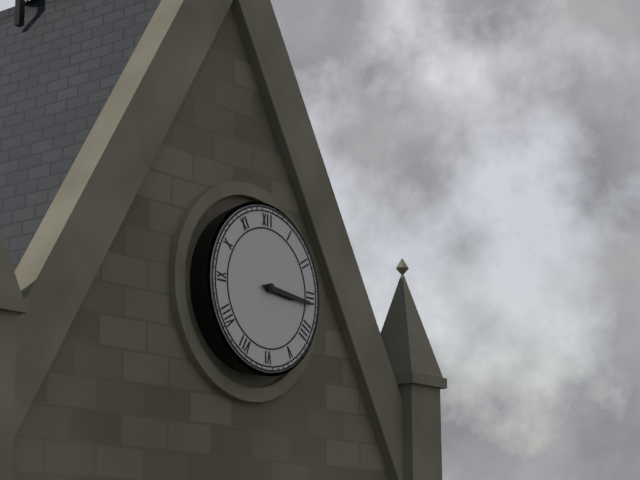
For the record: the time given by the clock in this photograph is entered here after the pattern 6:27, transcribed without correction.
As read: 3:16
